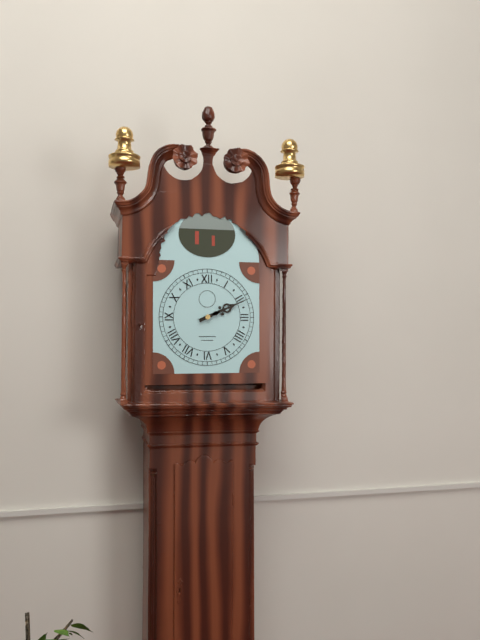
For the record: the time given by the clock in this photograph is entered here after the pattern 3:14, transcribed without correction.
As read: 2:11
